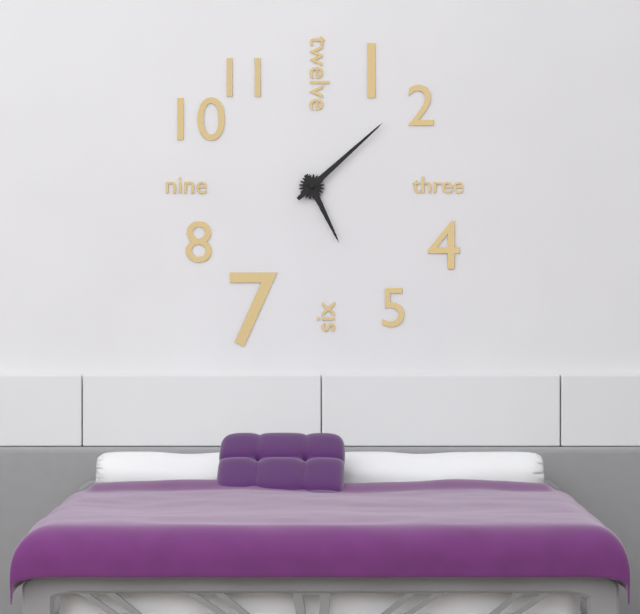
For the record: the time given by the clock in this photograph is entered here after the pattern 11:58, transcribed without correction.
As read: 5:08
